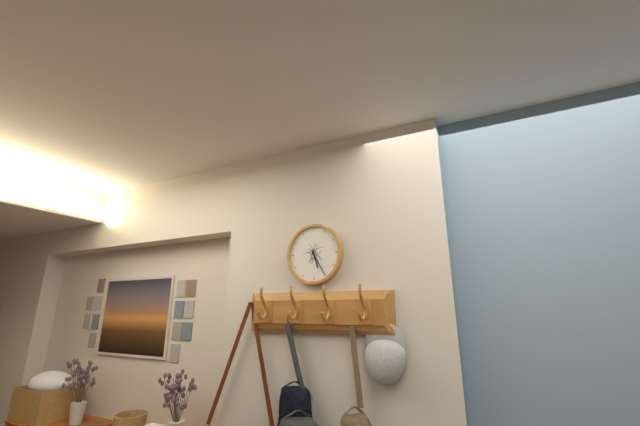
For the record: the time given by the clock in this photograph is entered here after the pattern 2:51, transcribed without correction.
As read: 5:25
